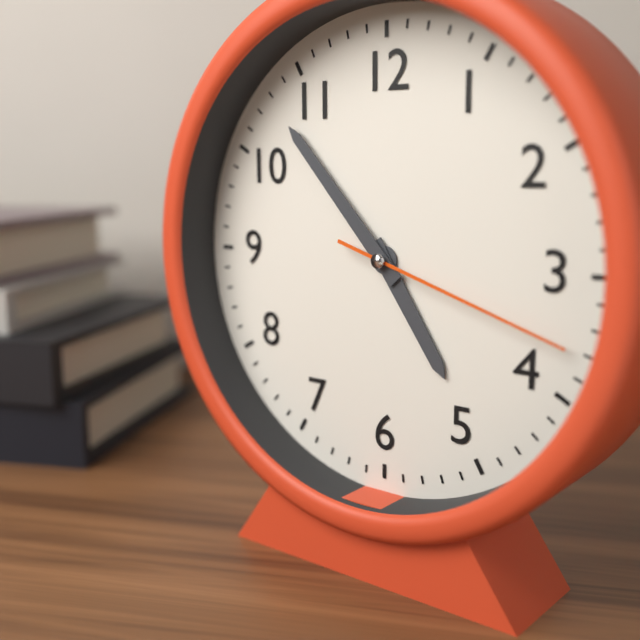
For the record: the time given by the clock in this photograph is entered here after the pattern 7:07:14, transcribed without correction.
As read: 4:53:18
